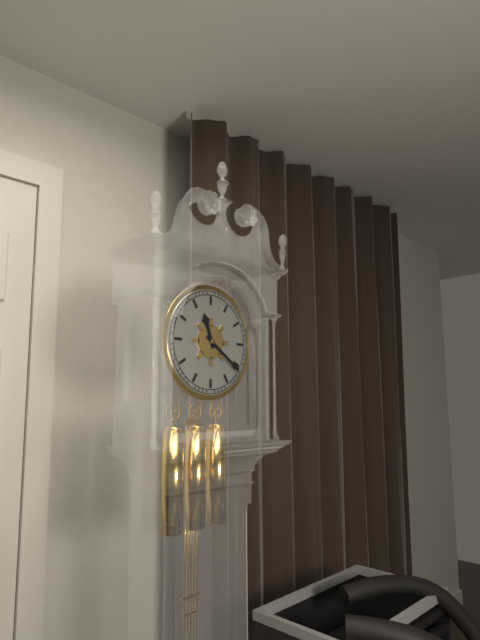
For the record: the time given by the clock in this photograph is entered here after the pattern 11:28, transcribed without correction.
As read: 11:21
